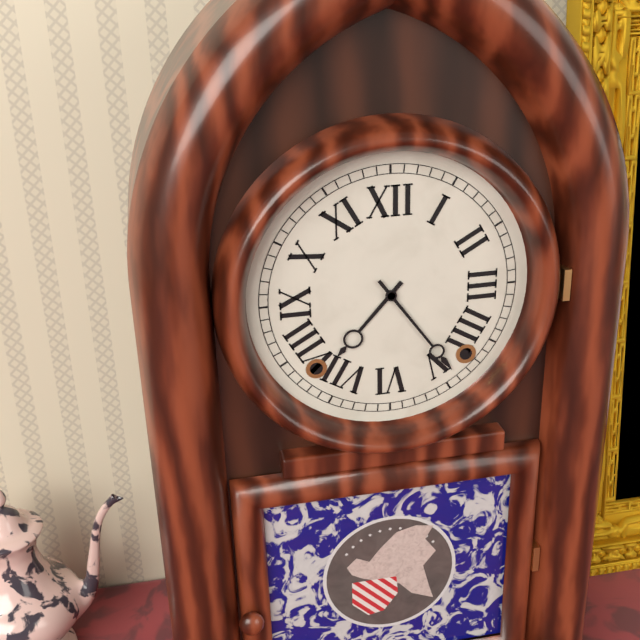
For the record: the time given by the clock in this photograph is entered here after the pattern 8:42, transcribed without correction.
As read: 7:24
